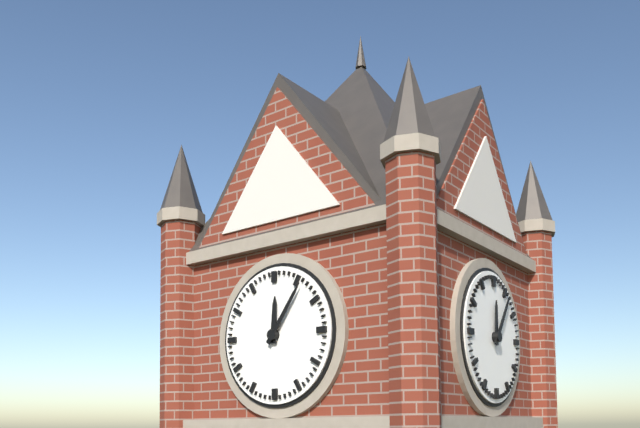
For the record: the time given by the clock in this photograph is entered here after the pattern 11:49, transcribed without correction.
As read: 12:06
